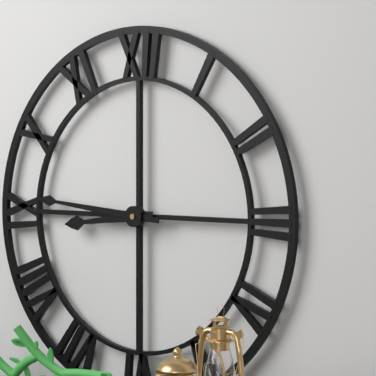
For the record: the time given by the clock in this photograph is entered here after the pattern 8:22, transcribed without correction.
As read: 8:46
